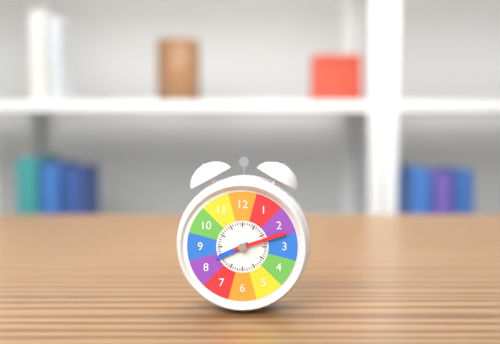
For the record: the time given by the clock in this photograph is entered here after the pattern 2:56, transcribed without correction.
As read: 8:12
